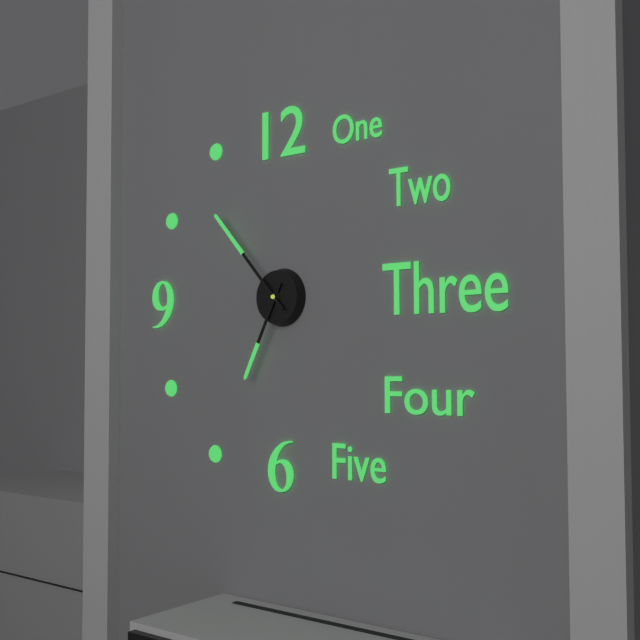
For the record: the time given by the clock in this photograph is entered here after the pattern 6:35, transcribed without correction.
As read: 6:53
